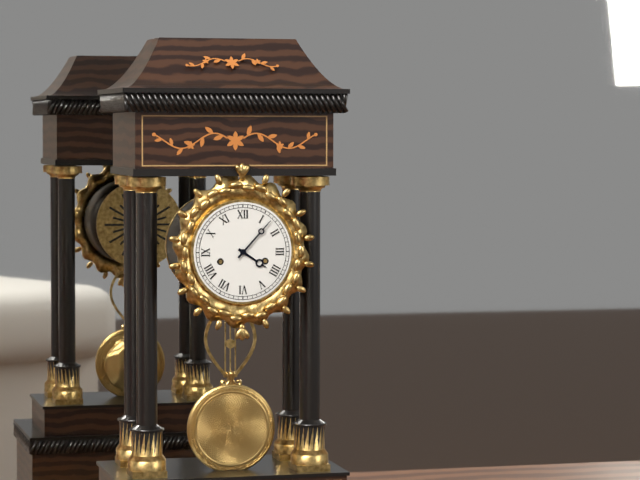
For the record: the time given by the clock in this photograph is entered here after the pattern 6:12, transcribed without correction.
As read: 4:07
